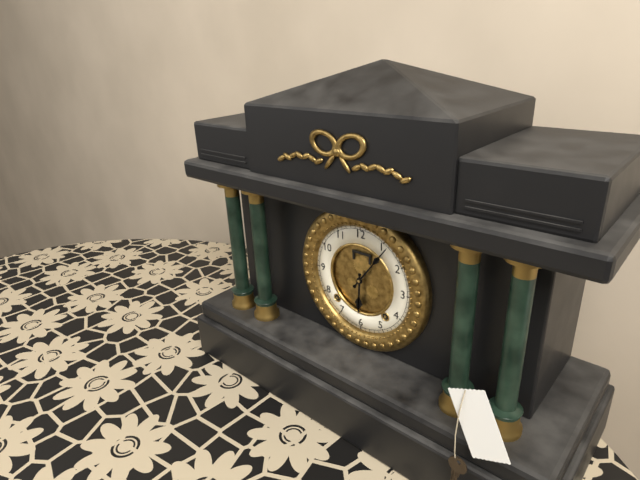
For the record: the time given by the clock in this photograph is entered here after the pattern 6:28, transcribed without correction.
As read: 6:06
